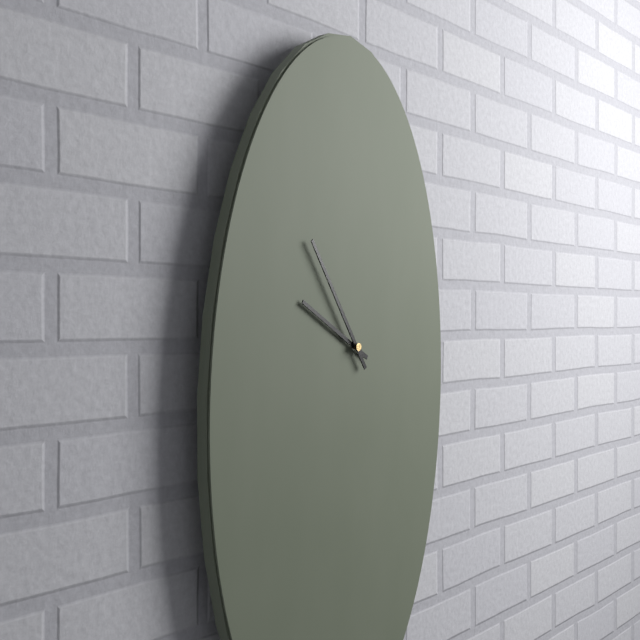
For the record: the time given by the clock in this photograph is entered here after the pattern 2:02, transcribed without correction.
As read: 9:54
